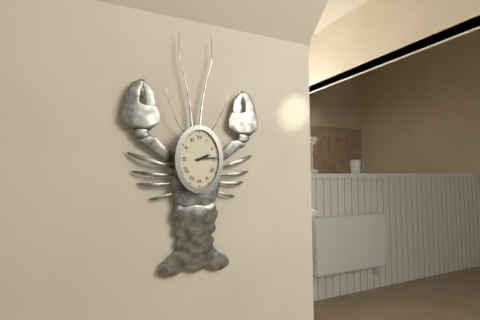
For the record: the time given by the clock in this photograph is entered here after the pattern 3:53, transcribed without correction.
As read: 2:14
